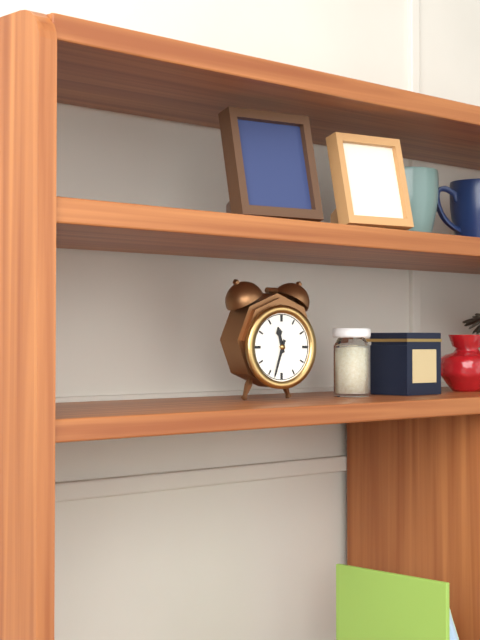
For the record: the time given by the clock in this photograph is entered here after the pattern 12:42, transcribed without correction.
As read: 11:33
